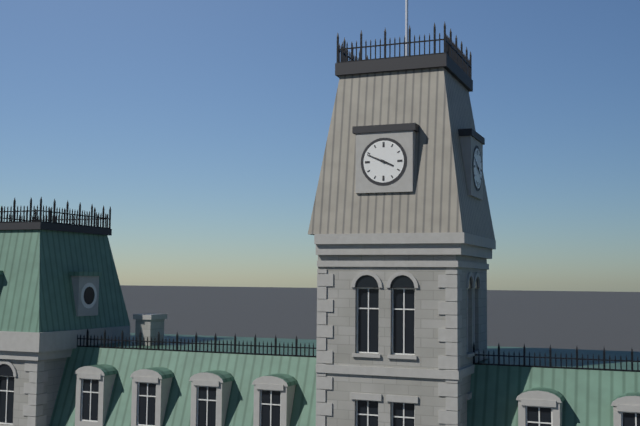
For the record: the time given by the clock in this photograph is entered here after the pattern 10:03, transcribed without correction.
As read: 3:49
